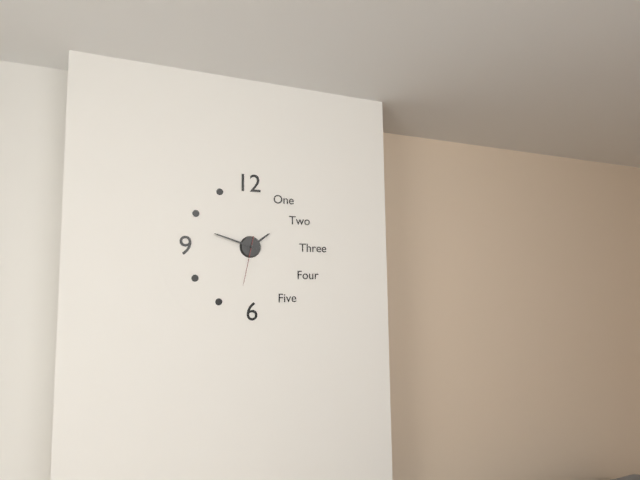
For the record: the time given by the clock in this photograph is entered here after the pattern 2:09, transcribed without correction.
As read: 1:48
